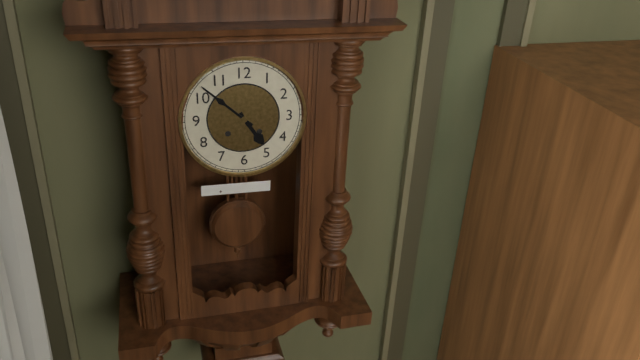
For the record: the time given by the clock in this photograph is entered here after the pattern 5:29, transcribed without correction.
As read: 4:52
